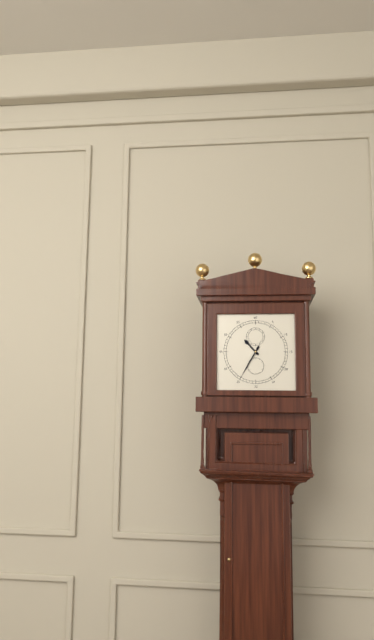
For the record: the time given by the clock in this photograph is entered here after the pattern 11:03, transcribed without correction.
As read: 10:35
